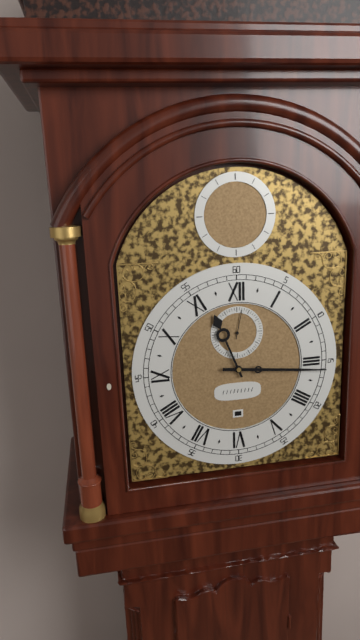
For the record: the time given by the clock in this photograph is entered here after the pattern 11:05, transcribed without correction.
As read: 11:16
